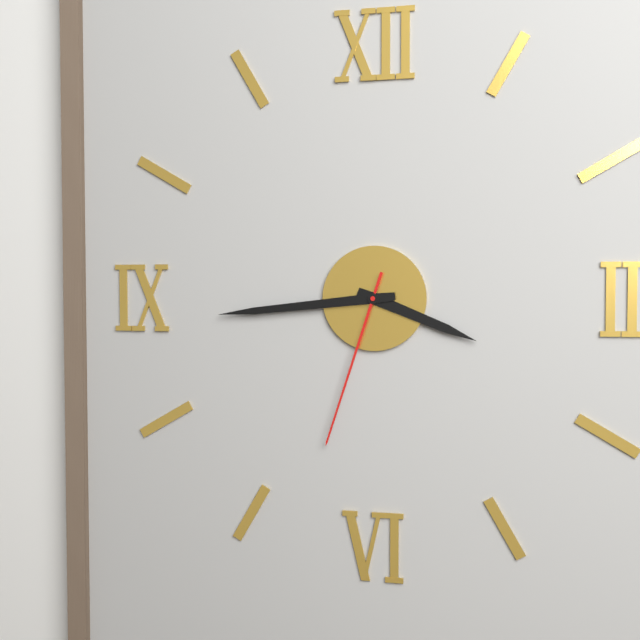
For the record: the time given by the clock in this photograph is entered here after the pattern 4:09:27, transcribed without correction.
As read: 3:44:33
